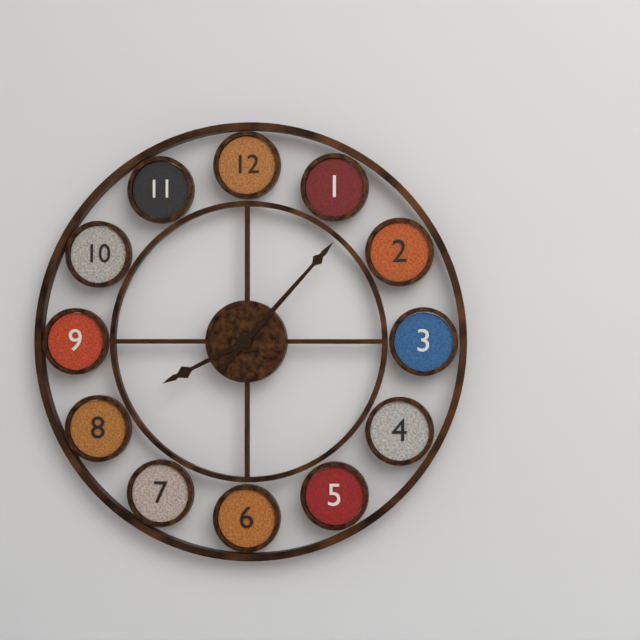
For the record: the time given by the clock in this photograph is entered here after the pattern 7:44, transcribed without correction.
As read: 8:07
